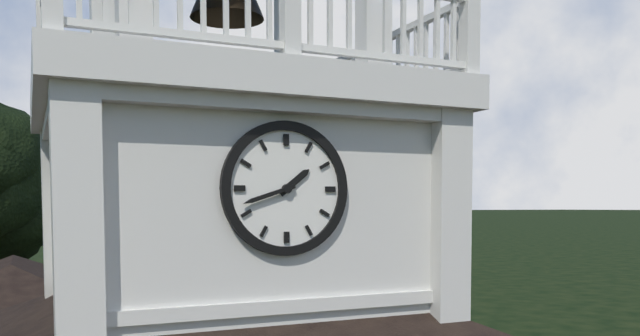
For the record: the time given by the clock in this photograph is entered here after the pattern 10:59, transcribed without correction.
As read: 1:42
